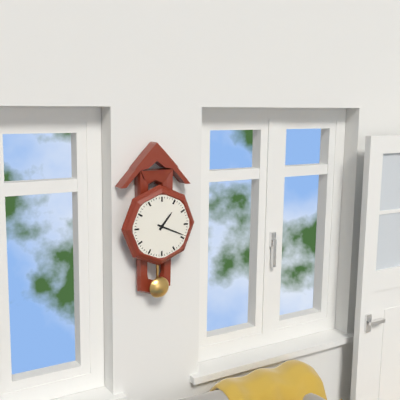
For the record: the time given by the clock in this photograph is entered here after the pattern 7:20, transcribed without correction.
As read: 1:19
